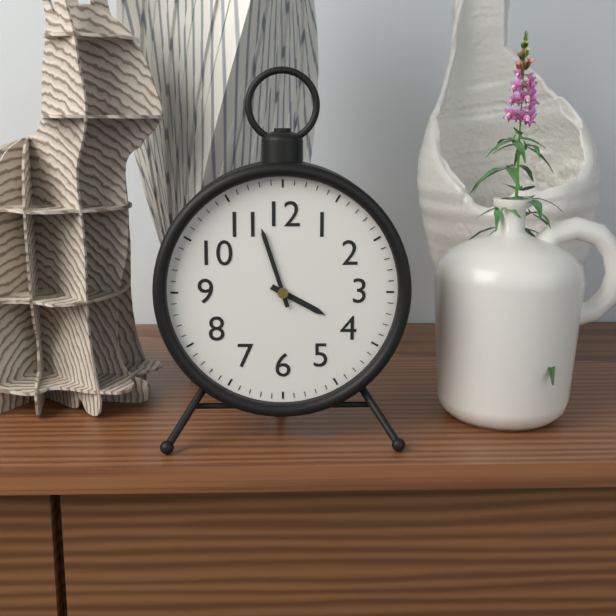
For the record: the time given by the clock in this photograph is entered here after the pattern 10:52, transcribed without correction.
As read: 3:57
